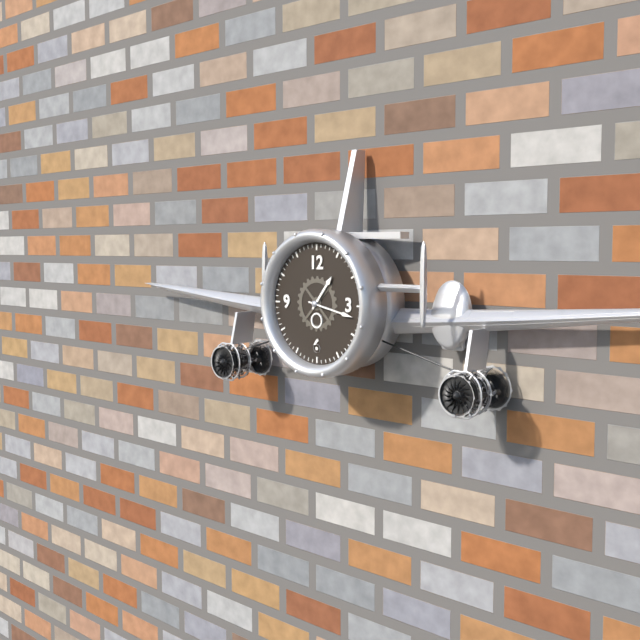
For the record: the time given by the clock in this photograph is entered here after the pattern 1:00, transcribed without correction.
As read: 1:17
